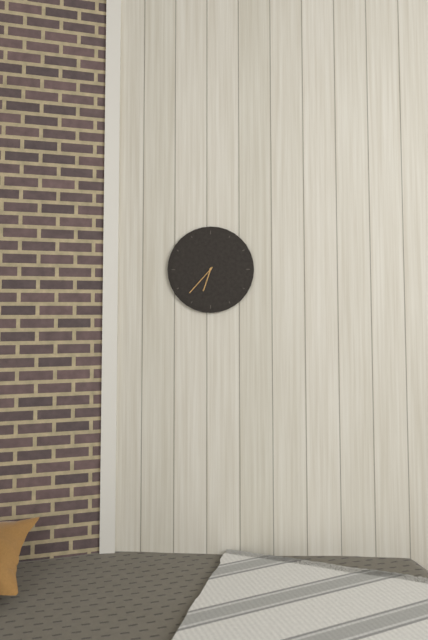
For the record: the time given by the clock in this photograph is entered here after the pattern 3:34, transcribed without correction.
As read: 6:37
